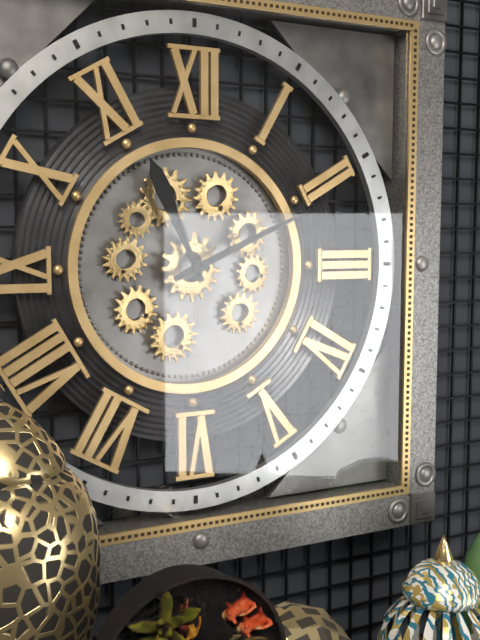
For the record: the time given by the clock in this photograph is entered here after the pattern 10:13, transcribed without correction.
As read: 11:11
